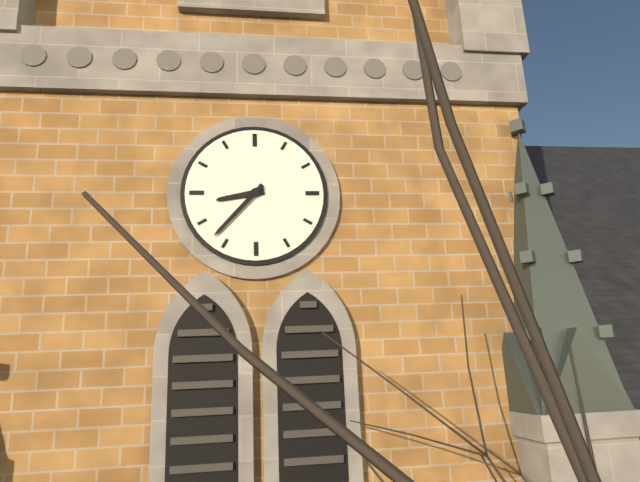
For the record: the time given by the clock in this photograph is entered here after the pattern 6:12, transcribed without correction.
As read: 8:37
